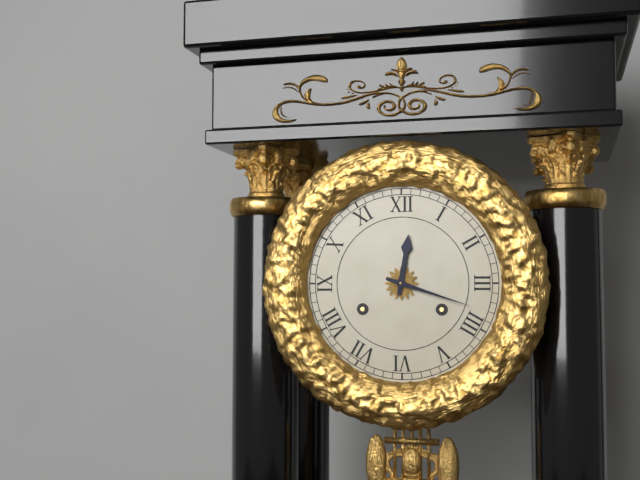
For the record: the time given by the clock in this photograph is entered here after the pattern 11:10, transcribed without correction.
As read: 12:18
